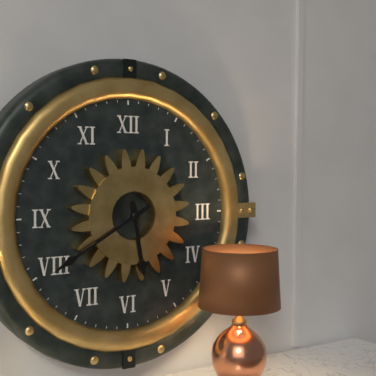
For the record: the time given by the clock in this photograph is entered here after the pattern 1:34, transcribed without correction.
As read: 5:40
